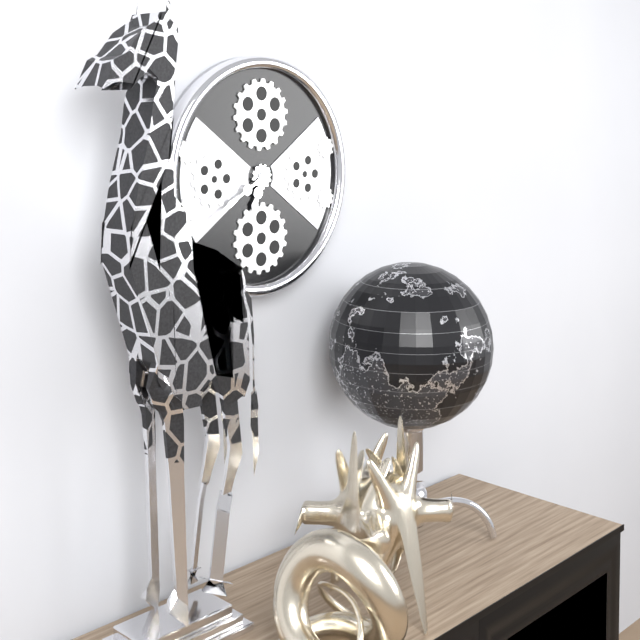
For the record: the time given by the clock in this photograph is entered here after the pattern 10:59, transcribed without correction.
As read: 6:40
